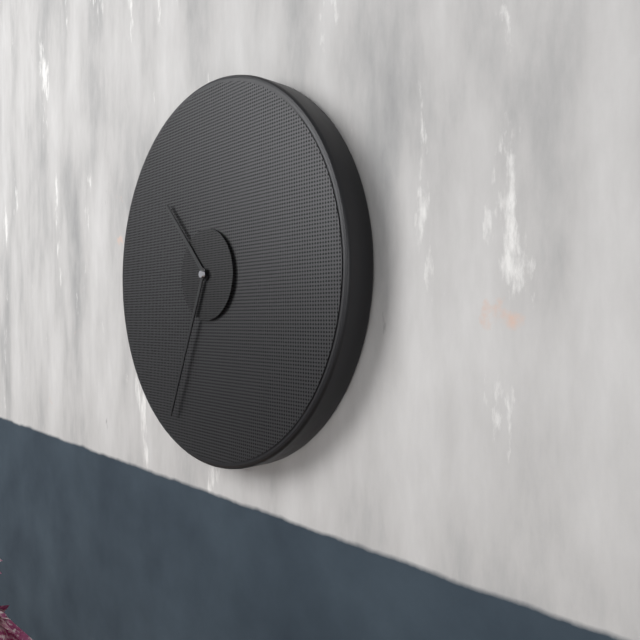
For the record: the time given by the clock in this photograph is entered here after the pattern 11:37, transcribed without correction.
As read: 10:34
